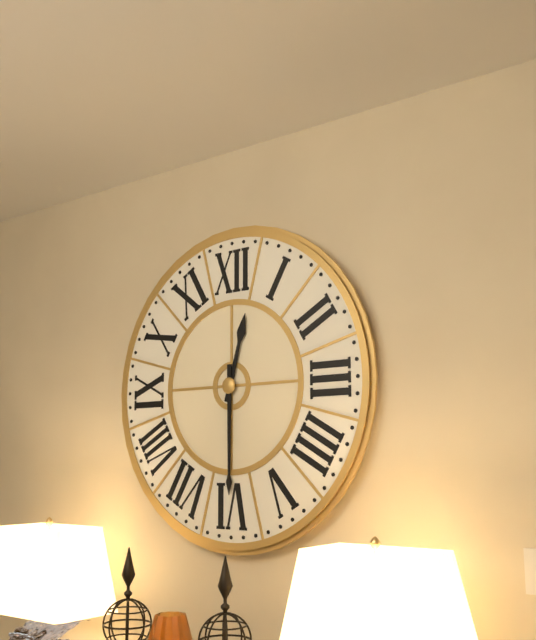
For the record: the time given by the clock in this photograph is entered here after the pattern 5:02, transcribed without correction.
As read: 12:30
